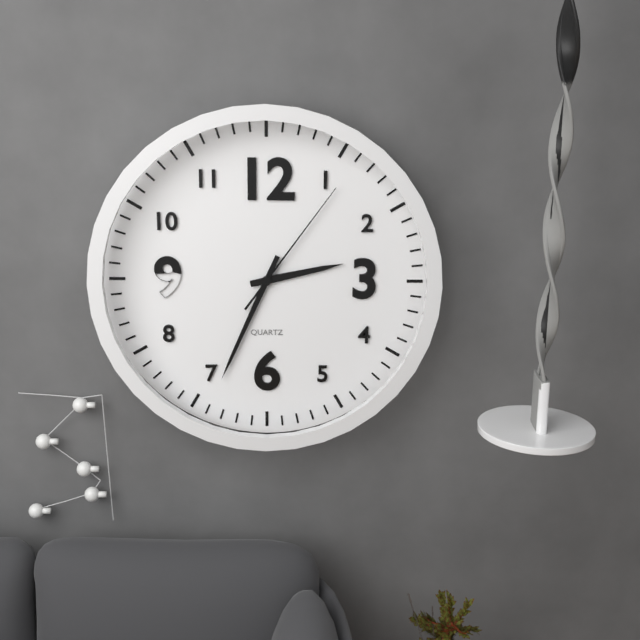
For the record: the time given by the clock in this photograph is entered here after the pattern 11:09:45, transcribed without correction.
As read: 2:34:06
